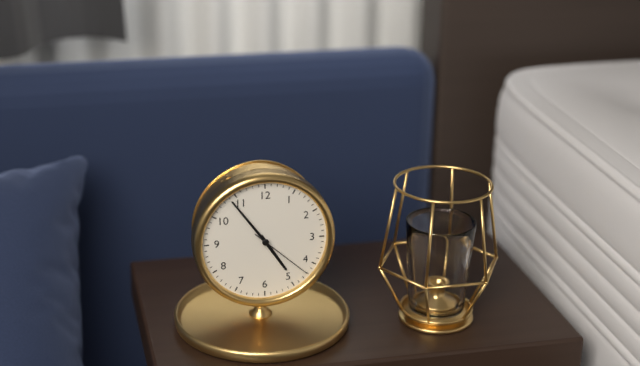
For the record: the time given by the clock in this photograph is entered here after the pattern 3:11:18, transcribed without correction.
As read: 4:54:22
